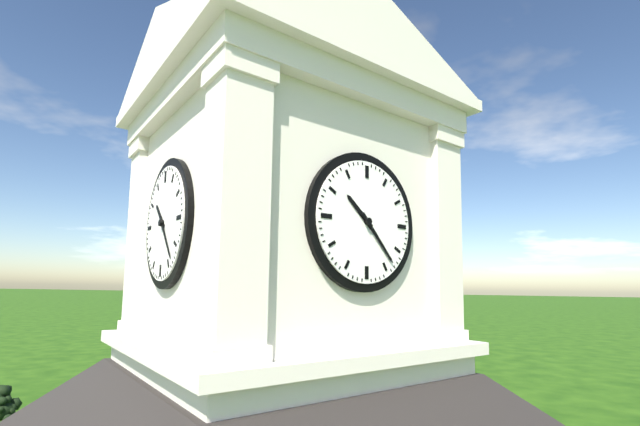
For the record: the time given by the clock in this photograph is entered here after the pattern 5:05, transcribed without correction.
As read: 10:23
